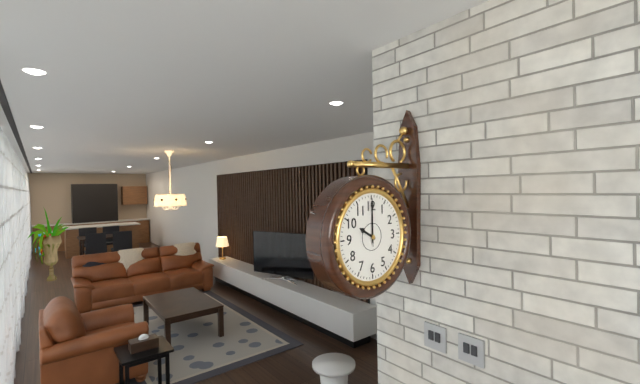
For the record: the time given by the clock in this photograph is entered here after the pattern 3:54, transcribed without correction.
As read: 10:00
